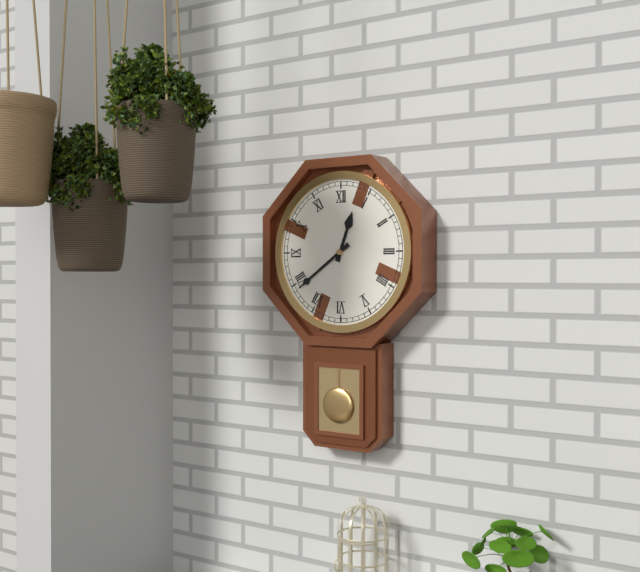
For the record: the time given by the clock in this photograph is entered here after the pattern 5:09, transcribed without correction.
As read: 12:39
